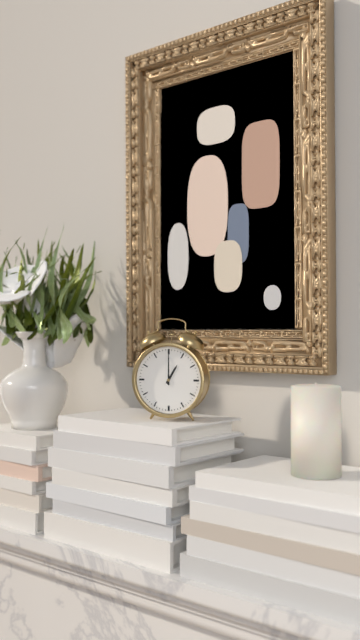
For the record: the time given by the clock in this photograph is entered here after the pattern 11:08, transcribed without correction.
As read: 1:00
